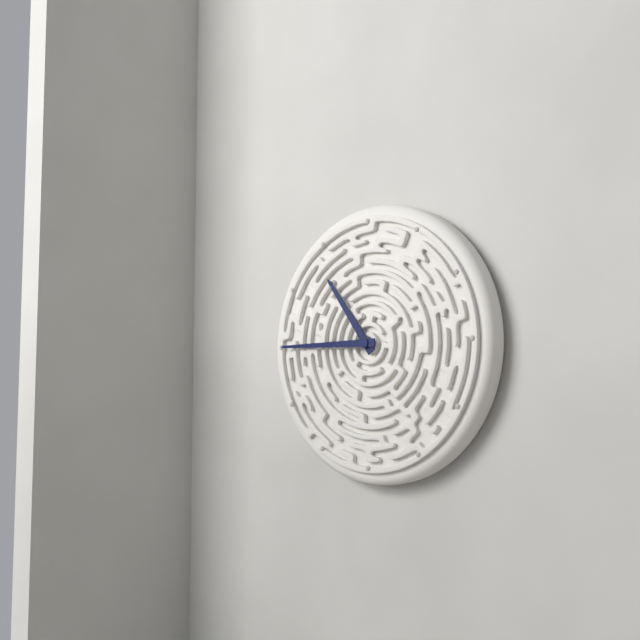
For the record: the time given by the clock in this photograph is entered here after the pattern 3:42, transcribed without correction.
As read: 10:45
